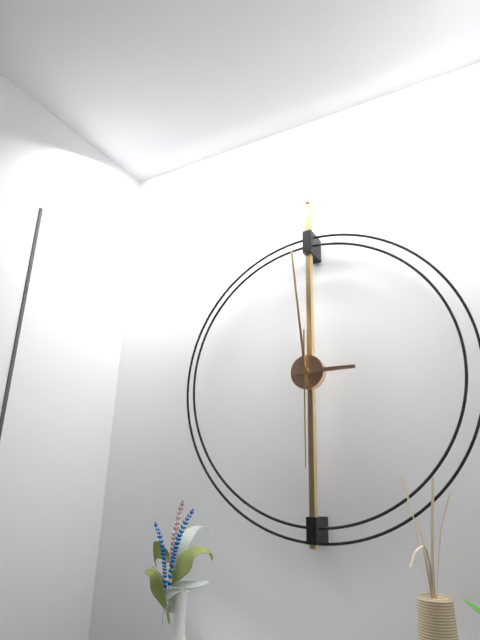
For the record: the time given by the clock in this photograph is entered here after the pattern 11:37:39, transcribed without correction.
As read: 2:59:30
